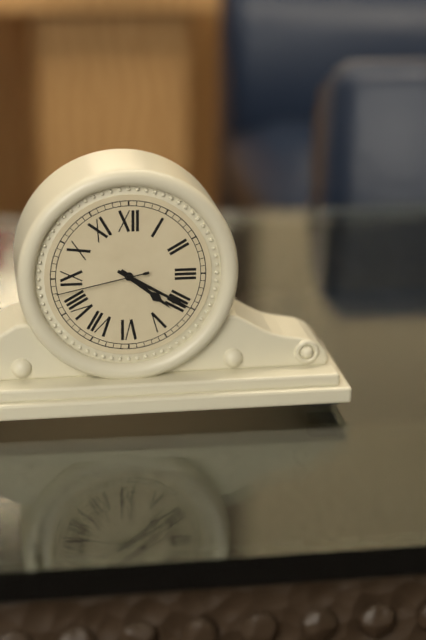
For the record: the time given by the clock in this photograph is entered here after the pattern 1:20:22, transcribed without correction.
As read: 4:20:43
